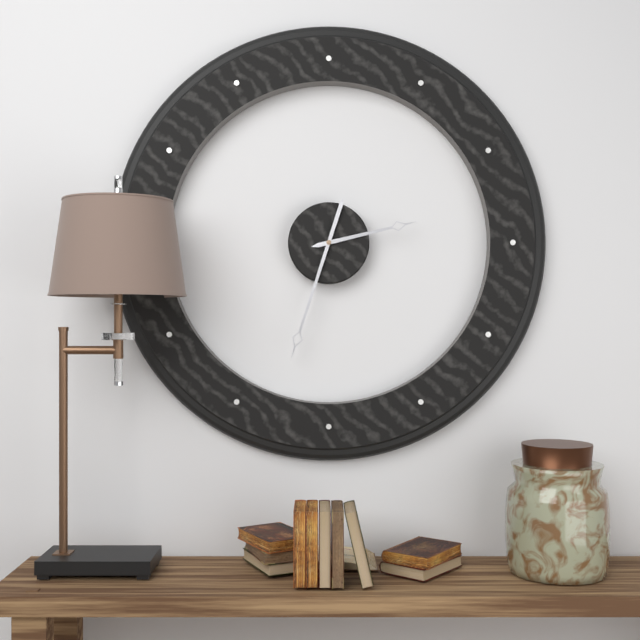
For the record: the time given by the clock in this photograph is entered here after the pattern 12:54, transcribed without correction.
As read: 2:33
